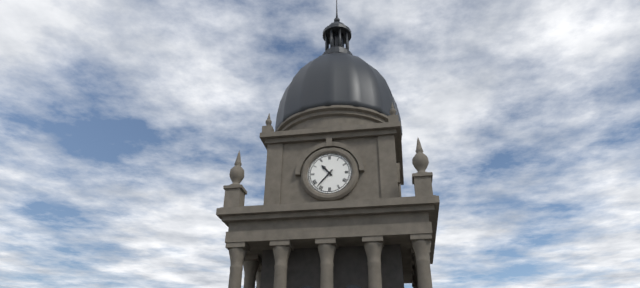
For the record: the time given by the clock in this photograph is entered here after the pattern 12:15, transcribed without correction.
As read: 10:37
